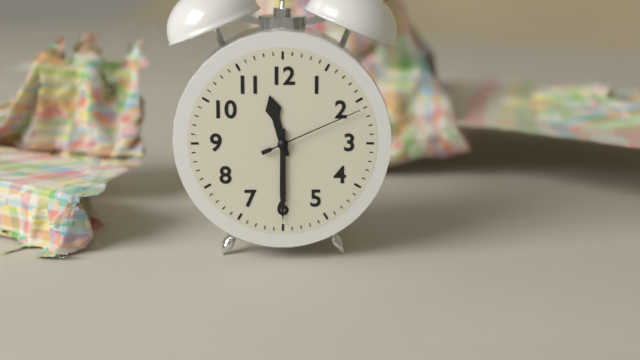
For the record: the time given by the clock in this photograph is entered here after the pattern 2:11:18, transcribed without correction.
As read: 11:30:11
